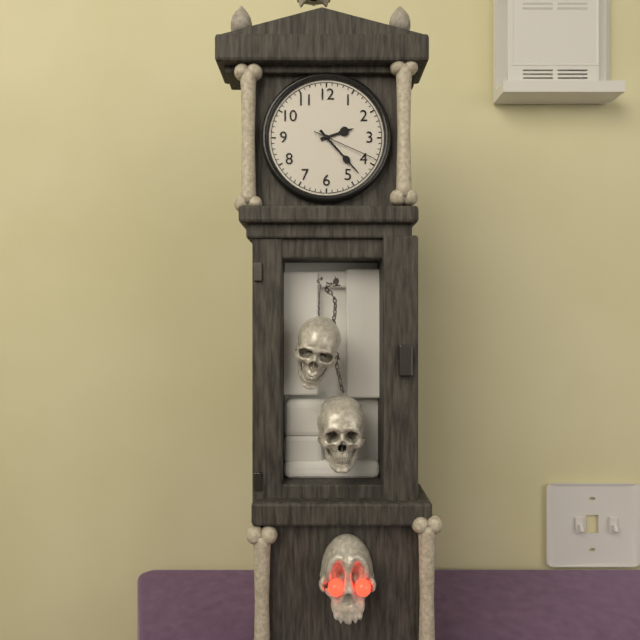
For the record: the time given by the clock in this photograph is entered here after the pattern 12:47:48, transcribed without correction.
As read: 2:23:19
